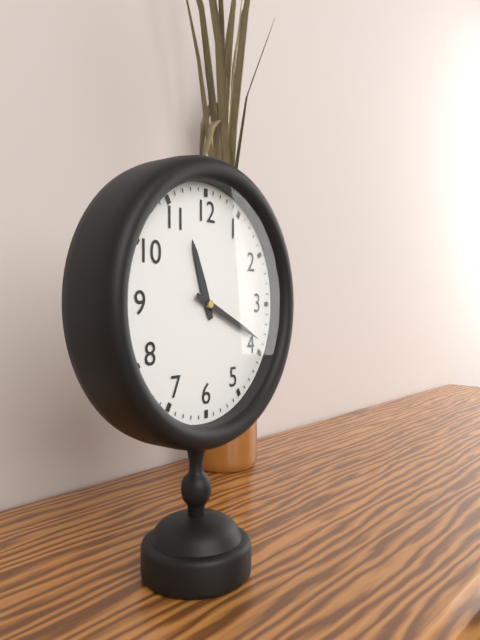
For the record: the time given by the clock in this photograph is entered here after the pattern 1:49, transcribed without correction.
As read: 11:19
